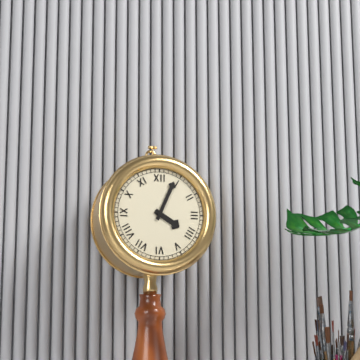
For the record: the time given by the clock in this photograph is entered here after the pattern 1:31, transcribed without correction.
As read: 4:04
